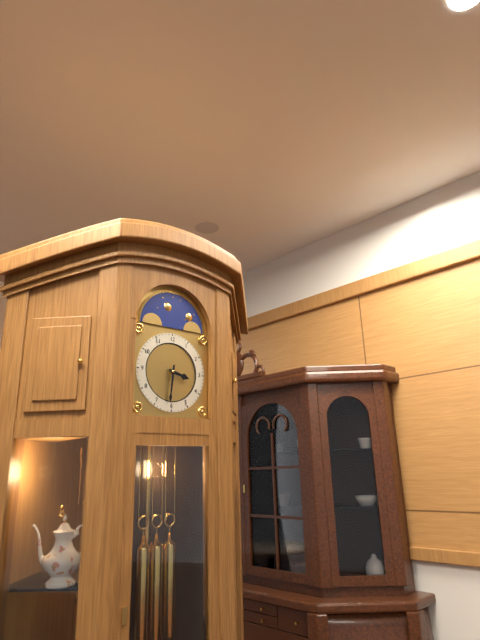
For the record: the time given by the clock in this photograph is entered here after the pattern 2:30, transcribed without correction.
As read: 3:31
